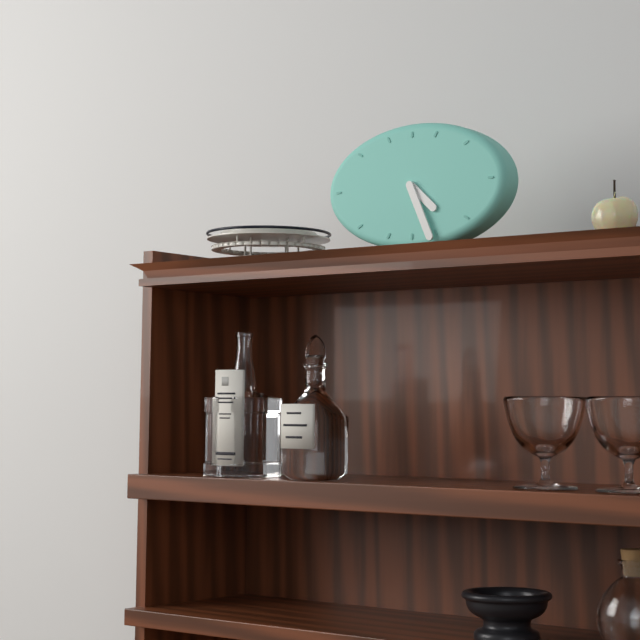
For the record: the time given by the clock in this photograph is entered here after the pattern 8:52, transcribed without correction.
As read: 4:26
